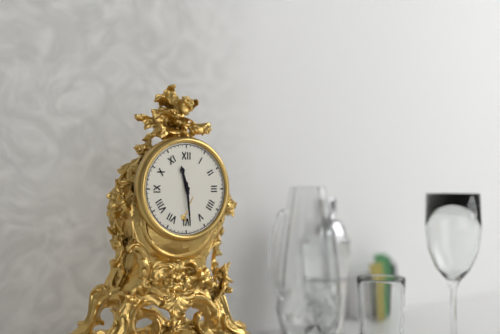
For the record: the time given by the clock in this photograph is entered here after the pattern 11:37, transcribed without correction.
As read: 11:29
